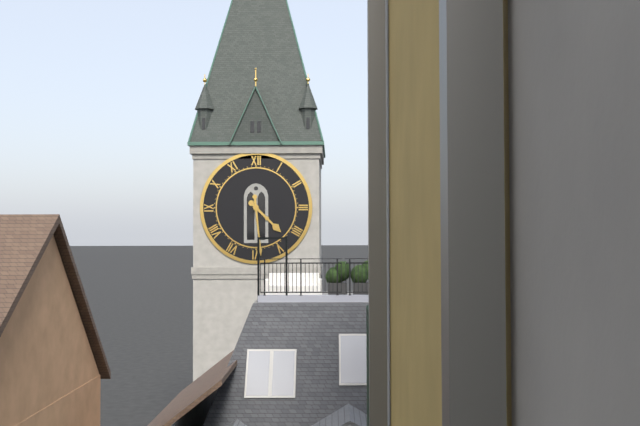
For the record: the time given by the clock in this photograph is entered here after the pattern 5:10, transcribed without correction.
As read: 4:29
